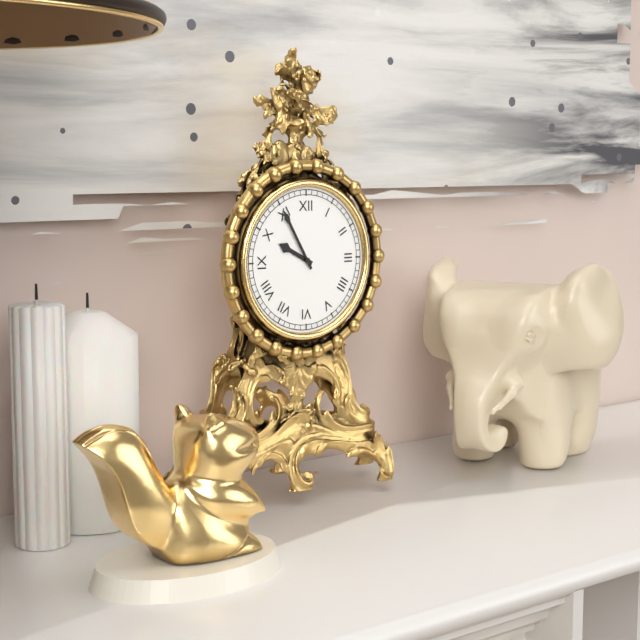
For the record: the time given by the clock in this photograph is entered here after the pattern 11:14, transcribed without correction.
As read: 9:55
